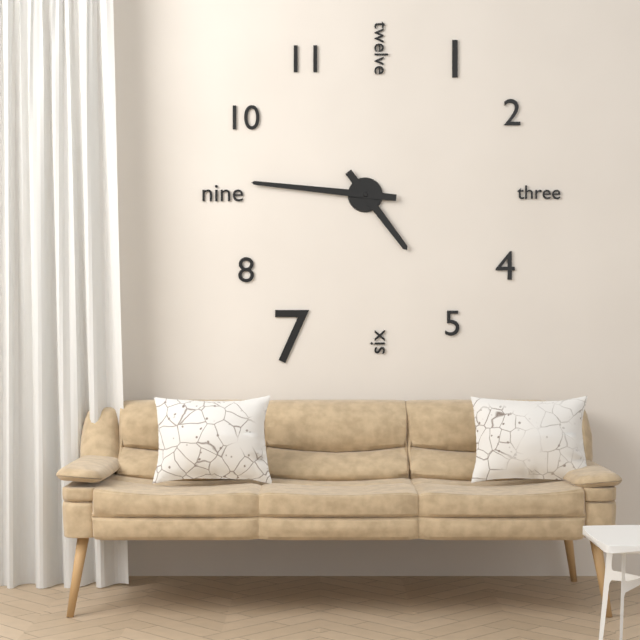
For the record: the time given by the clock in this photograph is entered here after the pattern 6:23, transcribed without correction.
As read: 4:46
